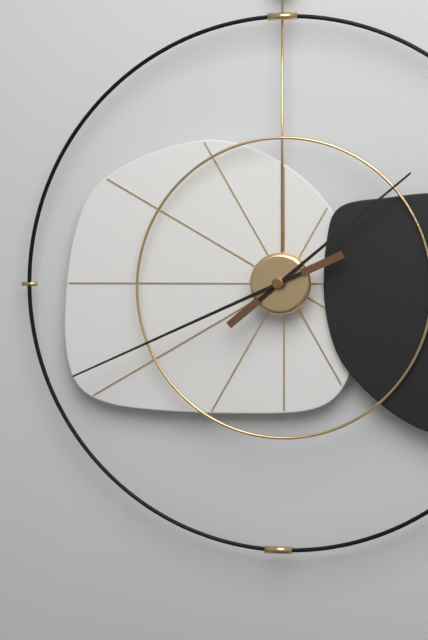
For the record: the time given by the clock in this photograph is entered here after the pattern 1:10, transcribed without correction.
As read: 1:41
